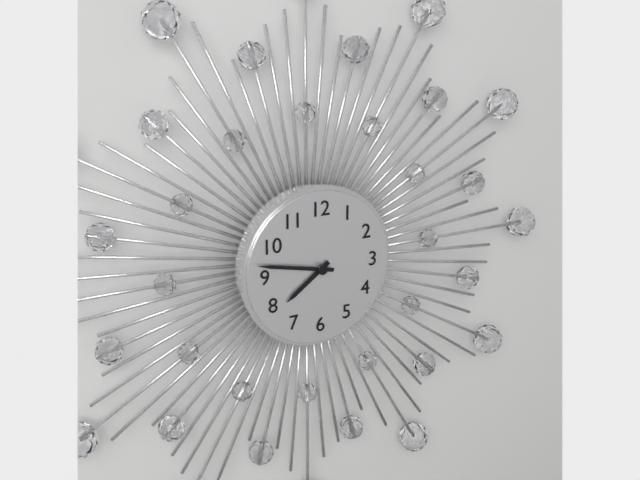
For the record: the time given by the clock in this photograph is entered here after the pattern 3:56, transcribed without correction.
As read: 7:47
